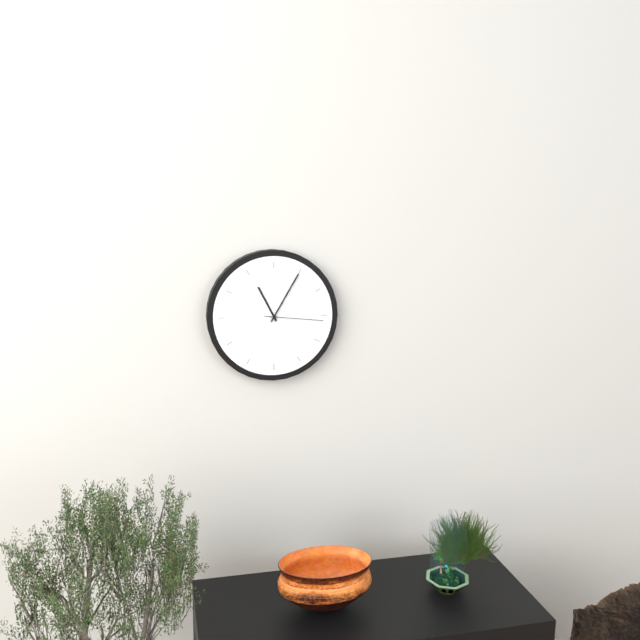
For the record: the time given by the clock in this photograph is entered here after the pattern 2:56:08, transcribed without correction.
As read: 11:05:16
